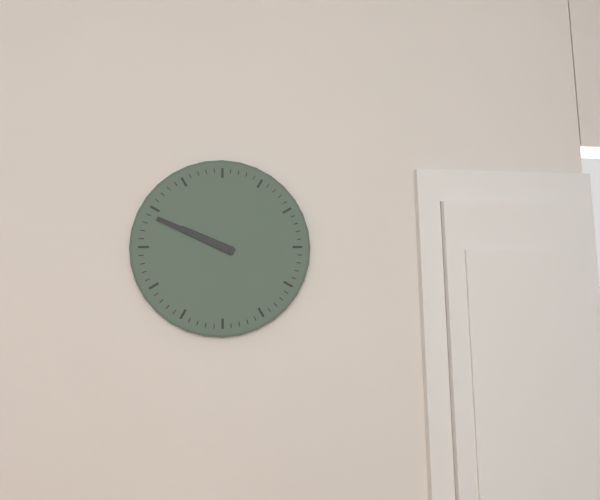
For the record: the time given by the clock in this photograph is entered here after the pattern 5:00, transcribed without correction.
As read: 9:49
